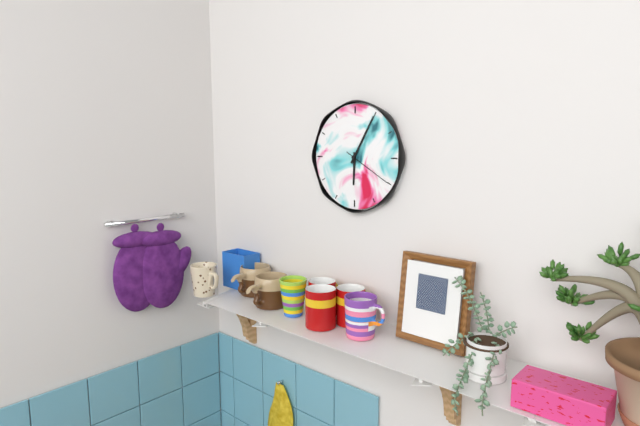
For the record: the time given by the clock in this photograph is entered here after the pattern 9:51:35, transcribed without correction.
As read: 6:05:20
